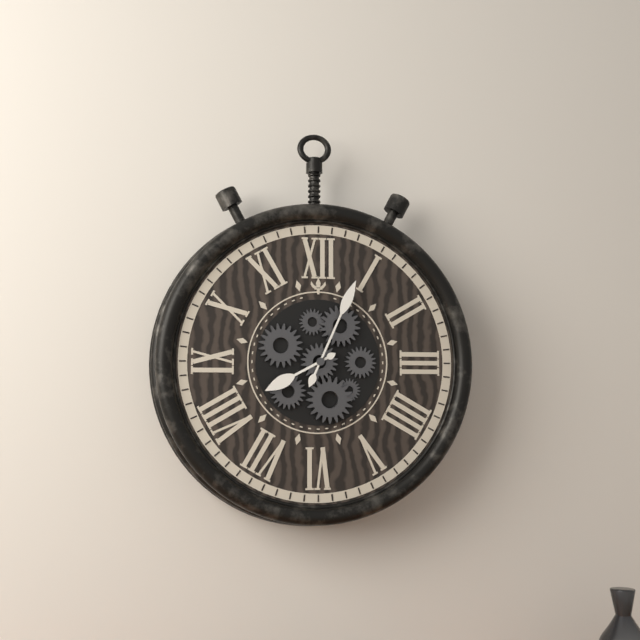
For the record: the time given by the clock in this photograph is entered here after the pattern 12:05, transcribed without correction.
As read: 8:04
